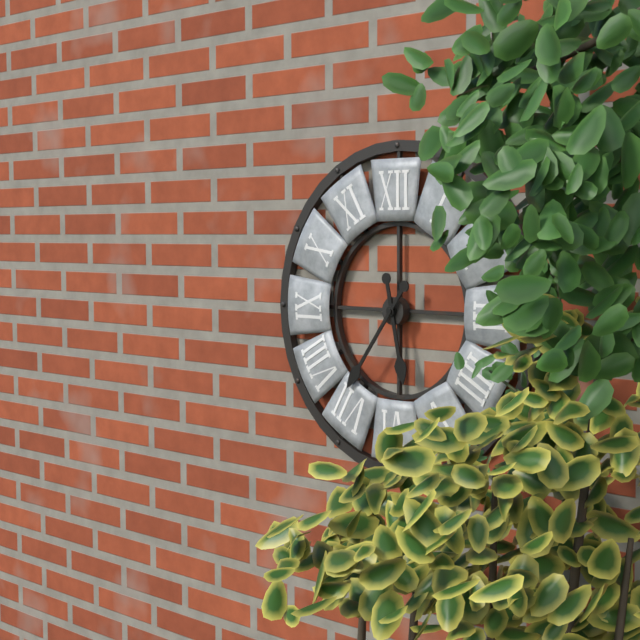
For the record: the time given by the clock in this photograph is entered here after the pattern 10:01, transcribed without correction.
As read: 5:36
